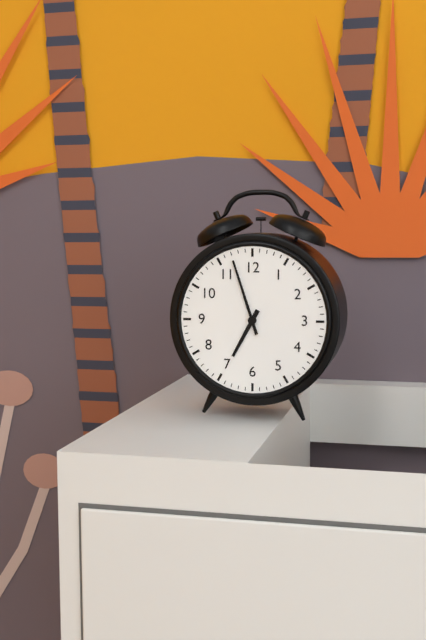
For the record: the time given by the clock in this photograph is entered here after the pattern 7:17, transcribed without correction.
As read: 6:57
